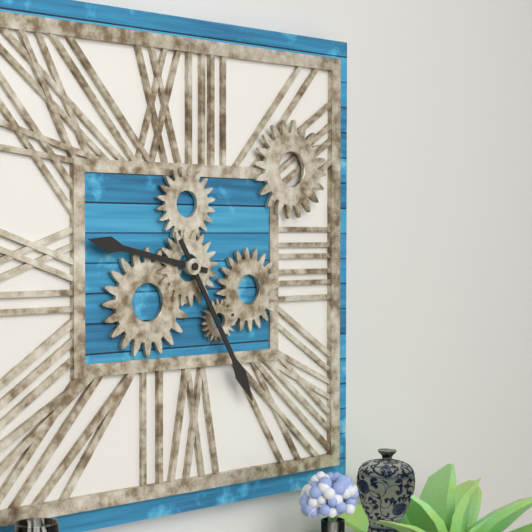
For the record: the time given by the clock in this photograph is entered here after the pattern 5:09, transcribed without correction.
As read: 9:25
